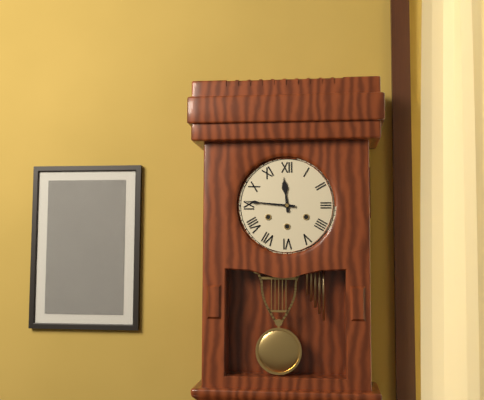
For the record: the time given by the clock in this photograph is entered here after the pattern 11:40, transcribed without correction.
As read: 11:46
